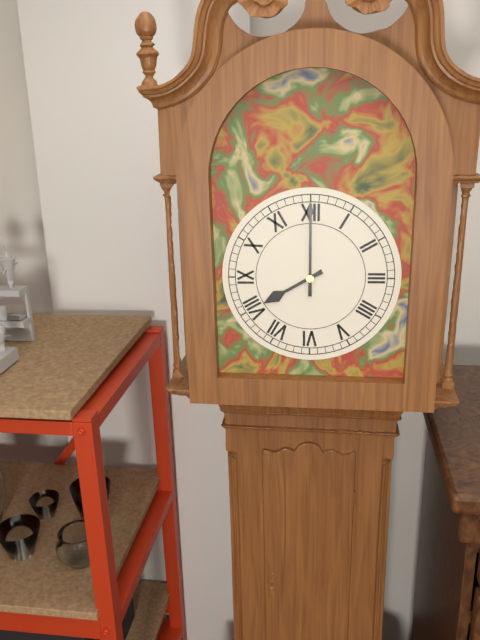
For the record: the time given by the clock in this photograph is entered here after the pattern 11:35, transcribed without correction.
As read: 8:00
